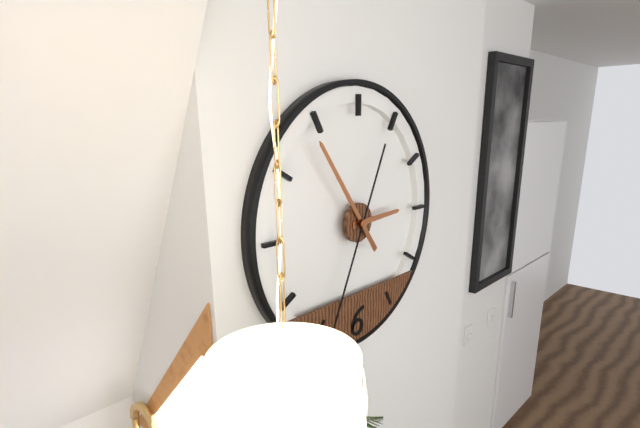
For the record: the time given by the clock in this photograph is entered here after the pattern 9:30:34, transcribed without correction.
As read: 2:54:34
